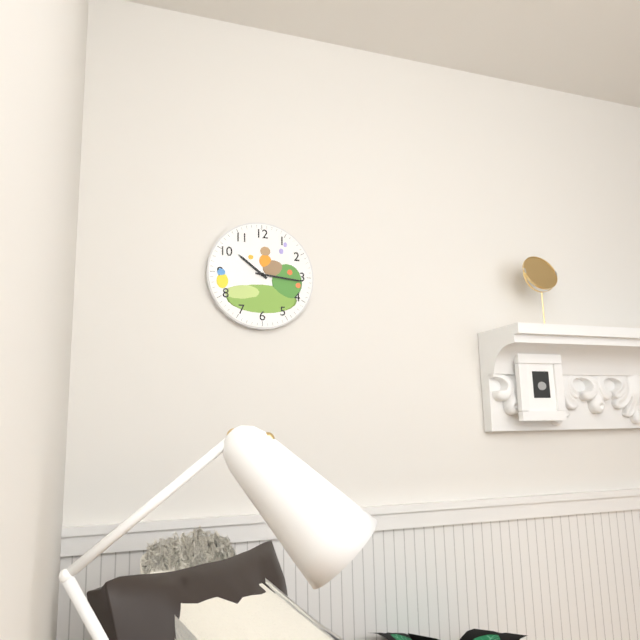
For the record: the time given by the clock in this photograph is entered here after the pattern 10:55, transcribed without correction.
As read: 10:16
